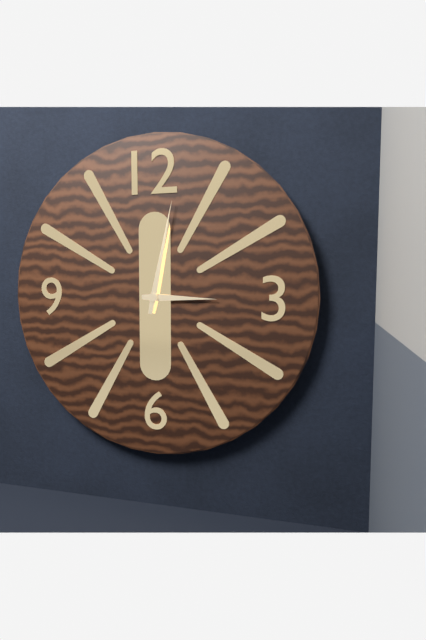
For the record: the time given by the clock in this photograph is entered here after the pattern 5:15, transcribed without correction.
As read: 3:02
